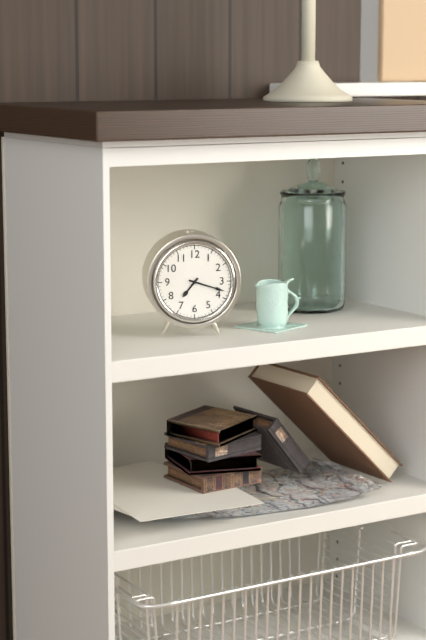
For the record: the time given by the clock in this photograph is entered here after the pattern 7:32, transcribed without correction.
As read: 7:18
